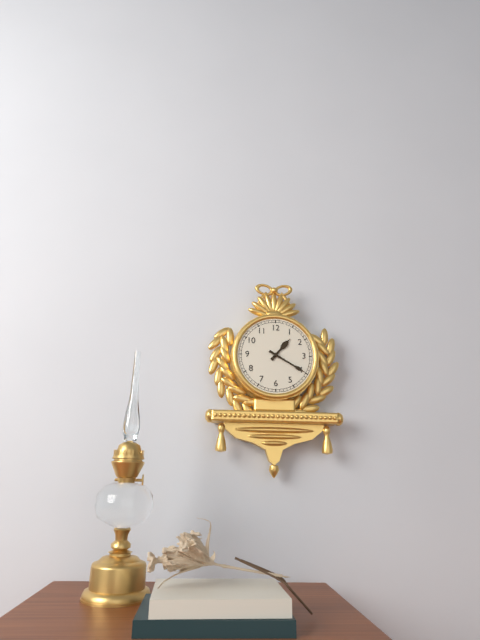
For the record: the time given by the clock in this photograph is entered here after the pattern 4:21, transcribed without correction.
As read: 1:20
